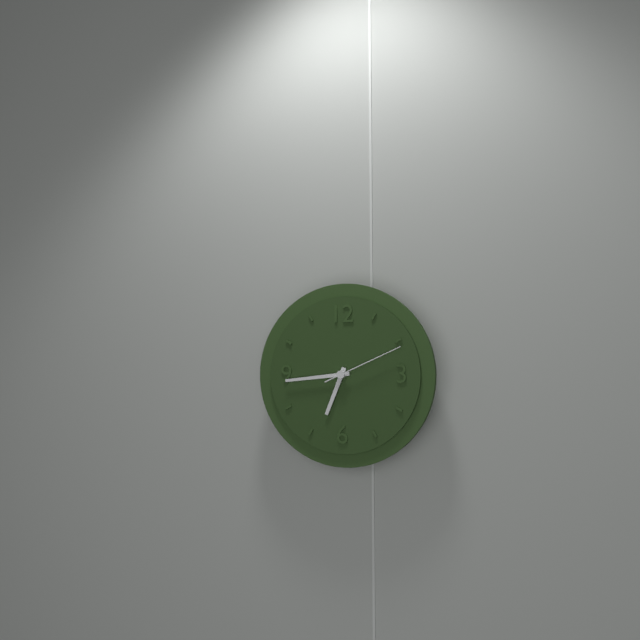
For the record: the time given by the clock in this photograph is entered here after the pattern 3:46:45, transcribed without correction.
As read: 6:44:11
